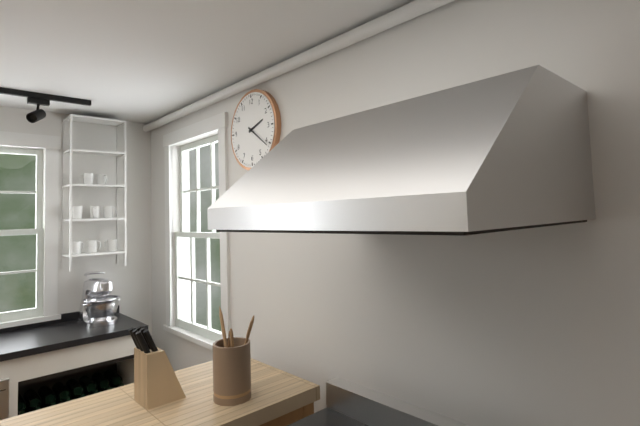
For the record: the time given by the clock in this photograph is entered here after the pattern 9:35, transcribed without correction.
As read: 2:21
